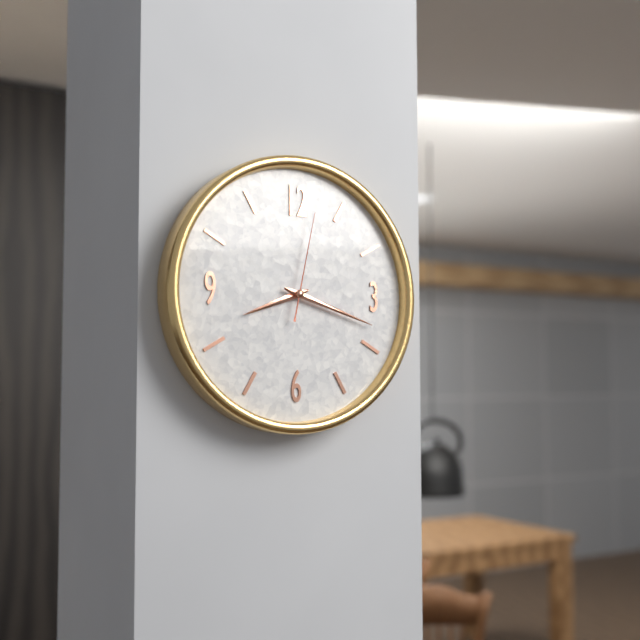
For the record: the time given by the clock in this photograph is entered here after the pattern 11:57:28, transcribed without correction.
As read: 8:18:02
